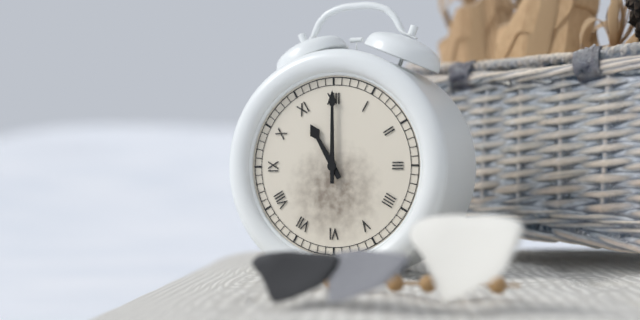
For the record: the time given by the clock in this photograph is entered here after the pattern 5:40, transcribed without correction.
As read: 11:00
